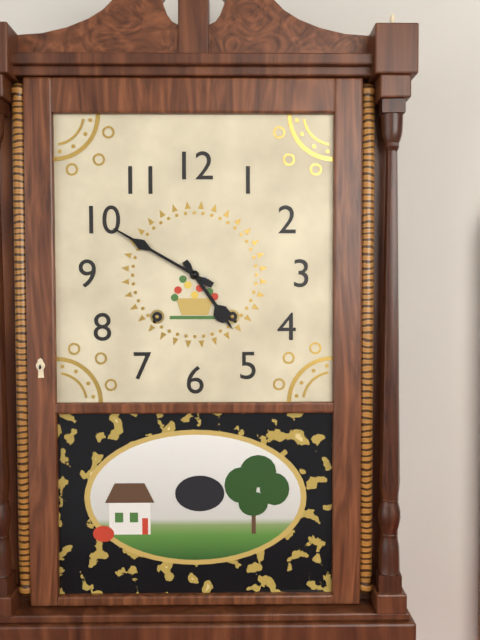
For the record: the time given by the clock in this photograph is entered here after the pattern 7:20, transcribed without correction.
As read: 4:50
